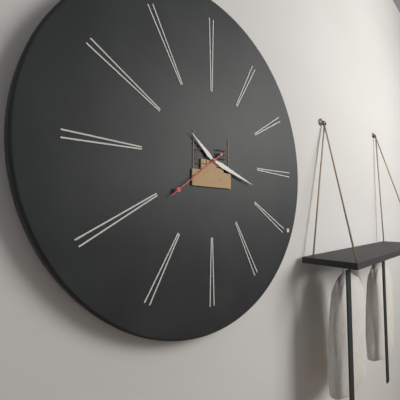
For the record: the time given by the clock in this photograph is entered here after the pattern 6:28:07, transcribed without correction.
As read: 10:18:39
